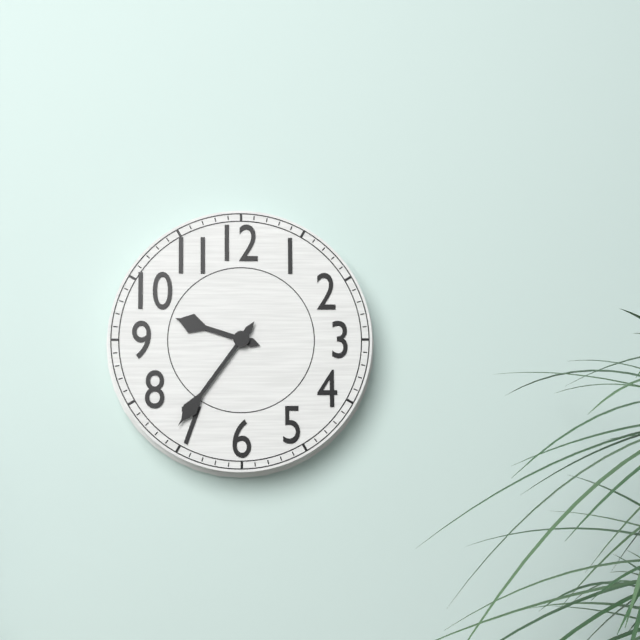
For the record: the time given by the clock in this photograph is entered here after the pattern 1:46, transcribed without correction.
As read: 9:36
